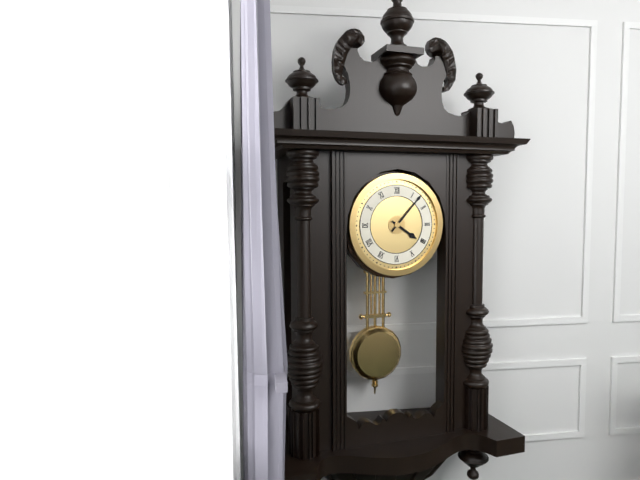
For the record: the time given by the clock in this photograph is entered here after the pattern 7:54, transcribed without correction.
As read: 4:07
